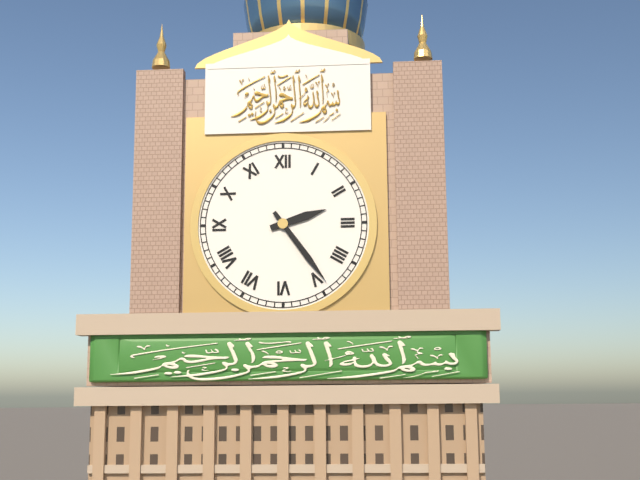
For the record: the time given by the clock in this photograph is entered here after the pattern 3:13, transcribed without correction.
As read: 2:24
